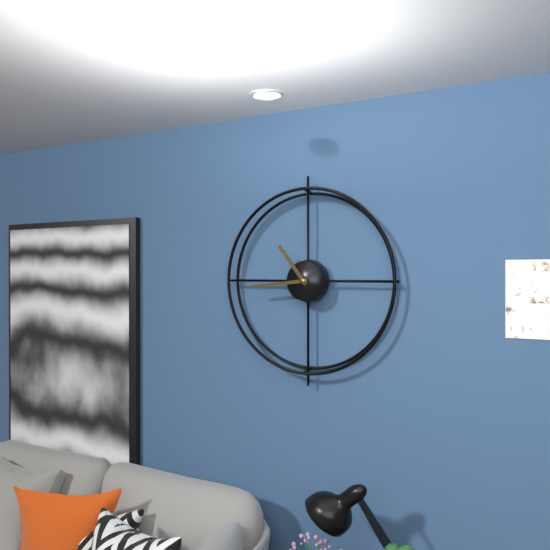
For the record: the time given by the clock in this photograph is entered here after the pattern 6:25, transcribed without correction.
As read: 10:44
